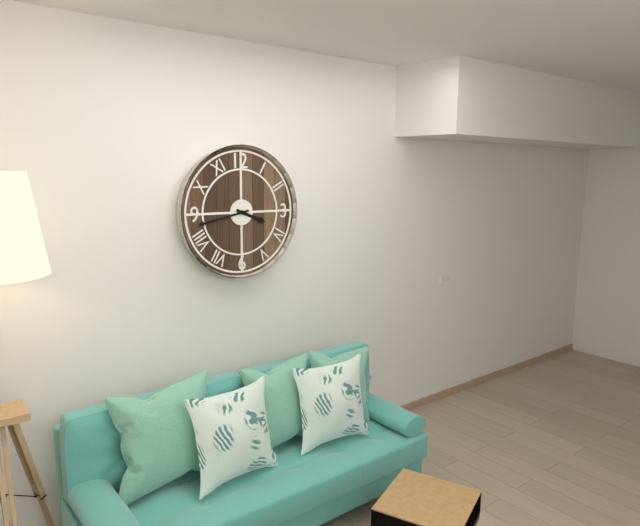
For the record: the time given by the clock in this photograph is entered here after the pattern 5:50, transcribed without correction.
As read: 3:43
